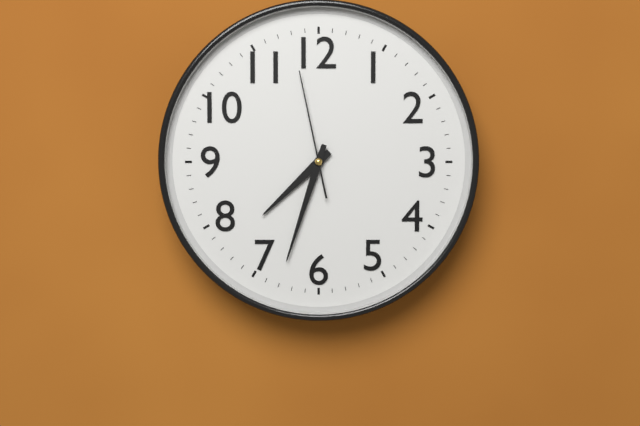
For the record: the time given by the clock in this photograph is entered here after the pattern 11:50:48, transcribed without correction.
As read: 7:33:58
